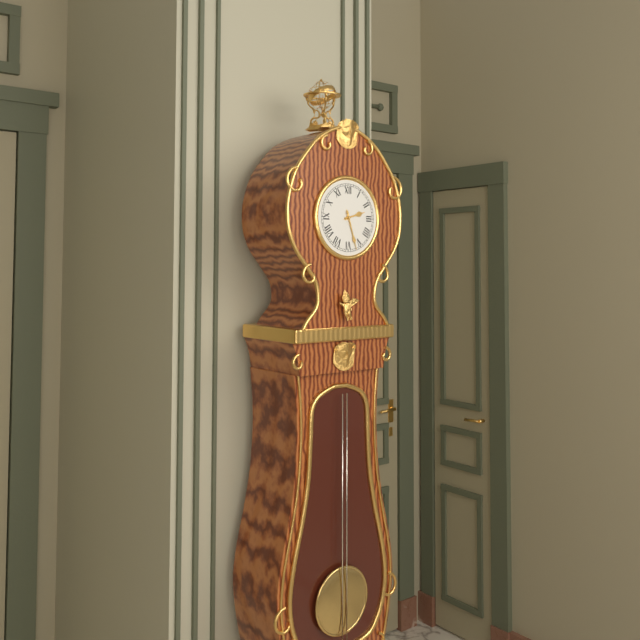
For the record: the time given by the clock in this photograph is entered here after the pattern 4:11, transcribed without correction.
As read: 2:27
